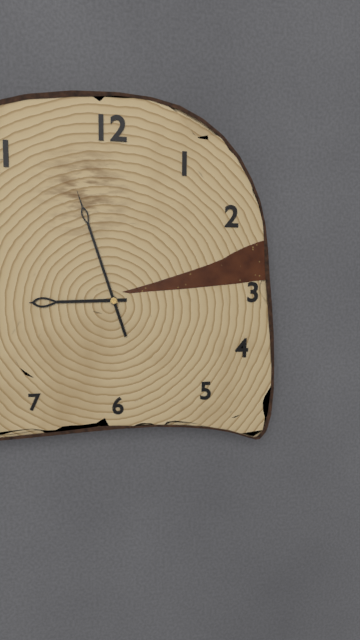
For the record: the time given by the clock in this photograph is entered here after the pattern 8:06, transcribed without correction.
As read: 8:57
